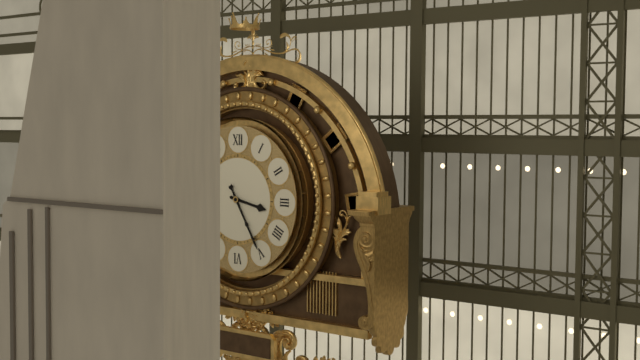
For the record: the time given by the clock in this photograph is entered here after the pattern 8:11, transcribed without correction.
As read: 3:25
